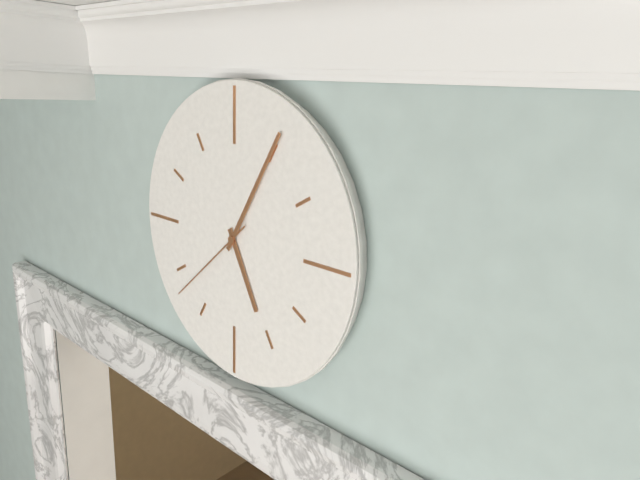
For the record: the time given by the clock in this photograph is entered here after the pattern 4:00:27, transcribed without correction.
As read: 5:05:38
